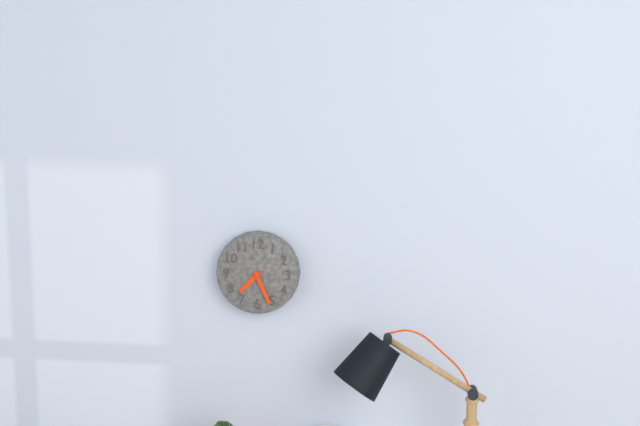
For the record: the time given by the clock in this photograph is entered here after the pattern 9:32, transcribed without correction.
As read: 7:26
